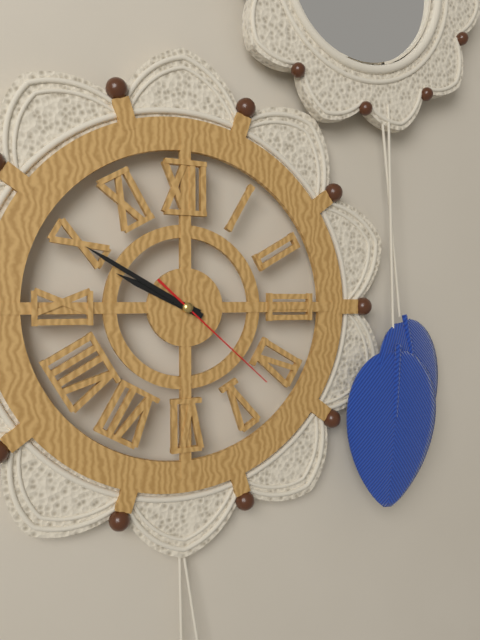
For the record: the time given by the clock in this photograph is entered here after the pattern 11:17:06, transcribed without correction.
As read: 9:50:22
